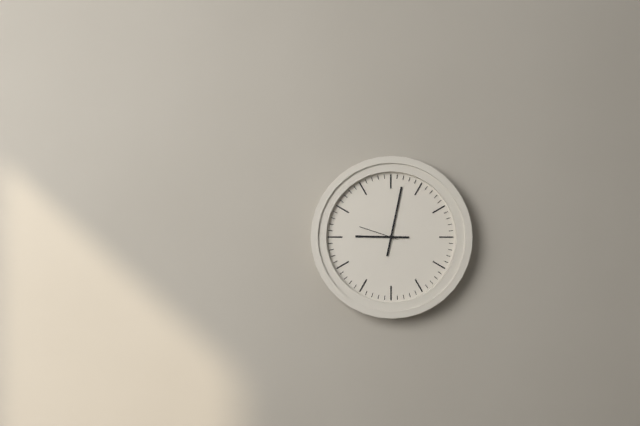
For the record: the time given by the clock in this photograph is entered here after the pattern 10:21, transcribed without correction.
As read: 9:02
